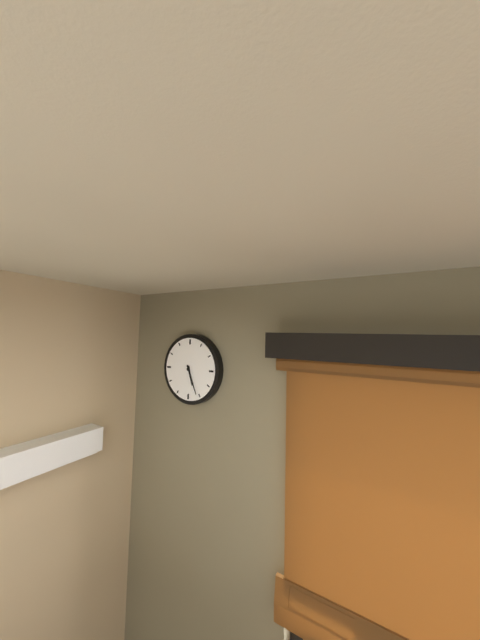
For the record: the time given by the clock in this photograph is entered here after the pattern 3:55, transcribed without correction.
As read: 5:26
